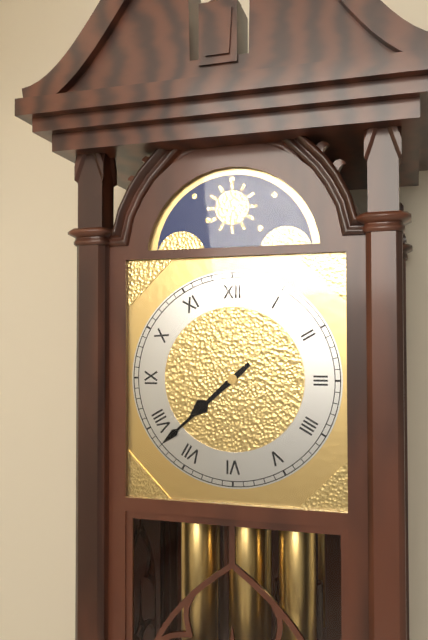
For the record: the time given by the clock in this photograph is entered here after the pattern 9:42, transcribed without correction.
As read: 7:38
